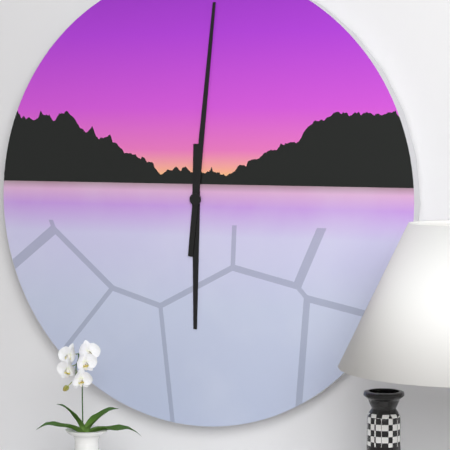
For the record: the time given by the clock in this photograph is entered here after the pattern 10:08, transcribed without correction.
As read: 6:01
